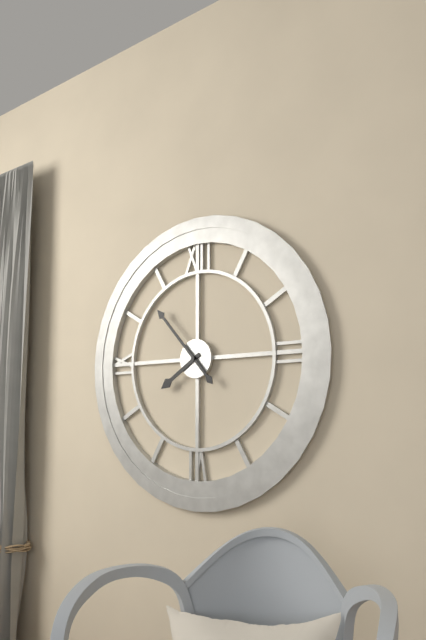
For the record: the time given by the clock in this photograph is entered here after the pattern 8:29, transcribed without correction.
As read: 7:53
